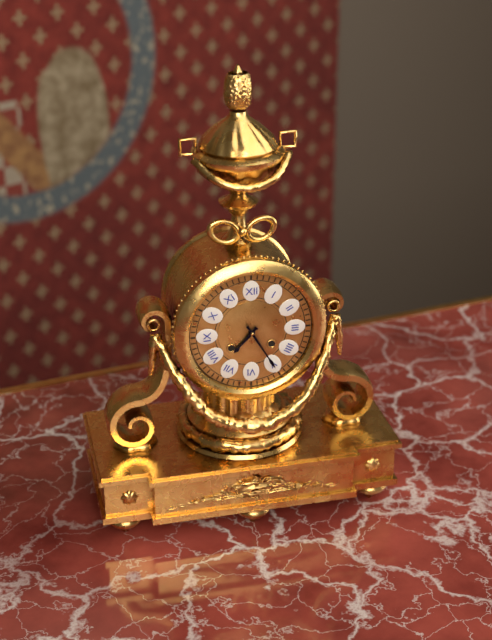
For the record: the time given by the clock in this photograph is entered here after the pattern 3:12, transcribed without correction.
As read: 7:25
